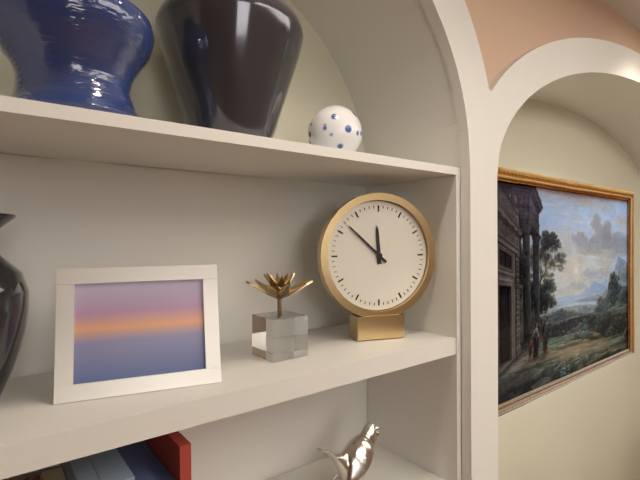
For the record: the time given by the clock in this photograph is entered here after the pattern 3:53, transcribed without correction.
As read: 11:52
